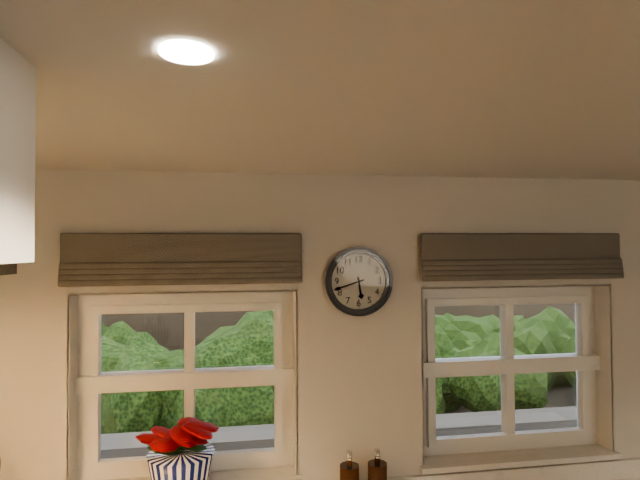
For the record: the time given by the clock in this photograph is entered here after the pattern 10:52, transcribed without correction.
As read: 5:42
